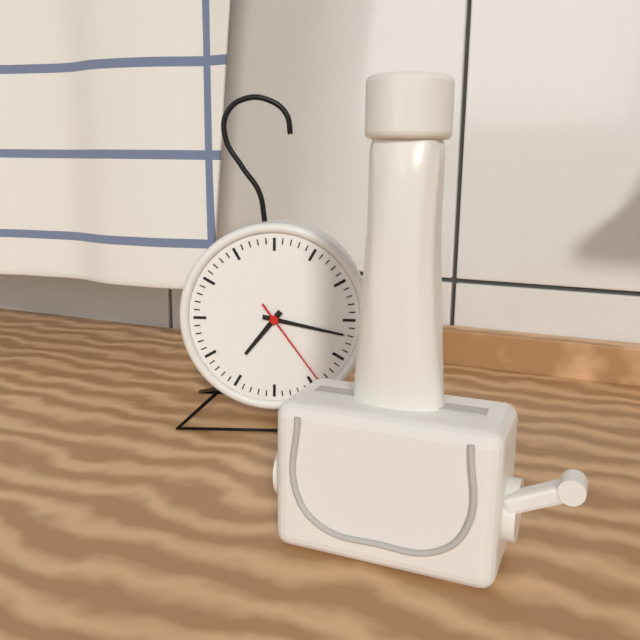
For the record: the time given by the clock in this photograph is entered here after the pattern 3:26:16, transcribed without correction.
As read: 7:17:24
